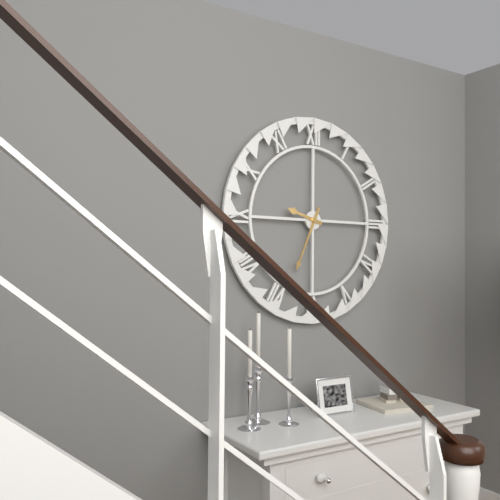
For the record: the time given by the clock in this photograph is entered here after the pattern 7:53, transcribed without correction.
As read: 9:34
